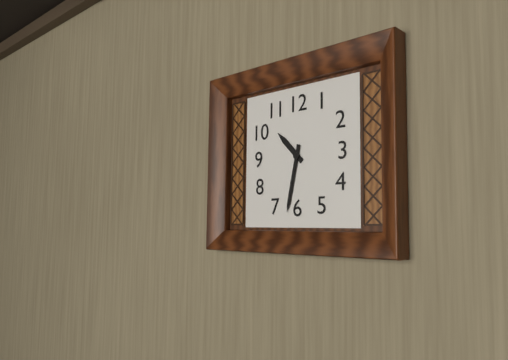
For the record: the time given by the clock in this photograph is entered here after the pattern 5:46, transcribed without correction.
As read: 10:32
